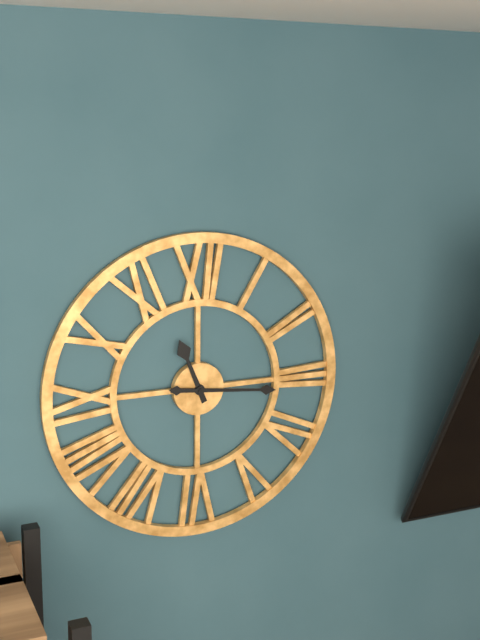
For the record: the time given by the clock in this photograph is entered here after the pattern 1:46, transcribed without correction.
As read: 11:16
